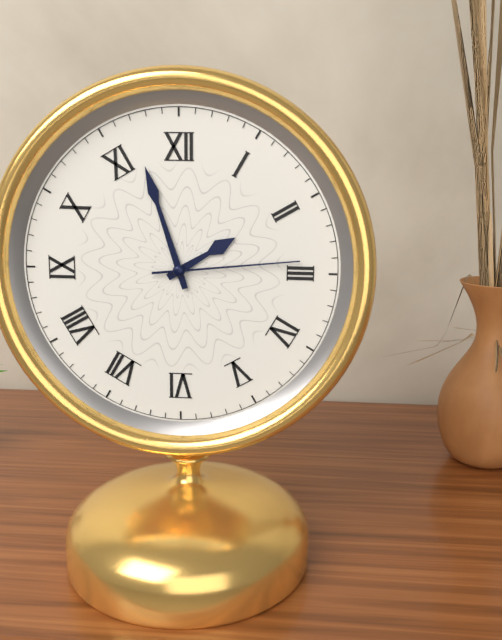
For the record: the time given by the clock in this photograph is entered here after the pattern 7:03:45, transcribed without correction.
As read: 1:57:14
